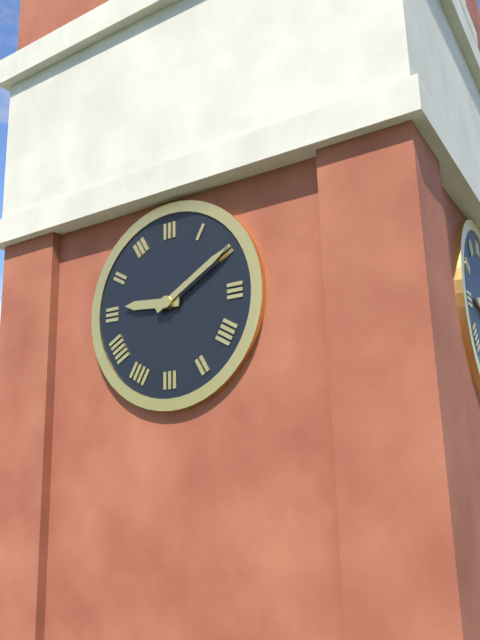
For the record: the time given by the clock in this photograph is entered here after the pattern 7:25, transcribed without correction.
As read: 9:10
